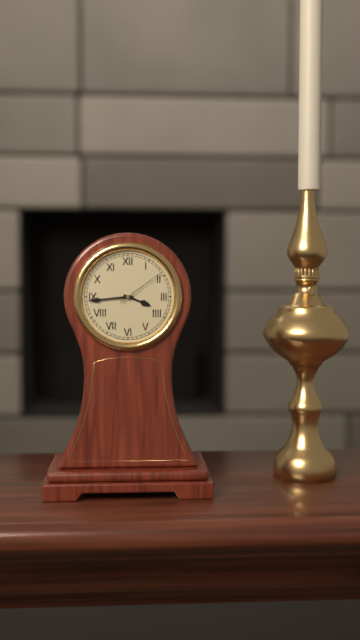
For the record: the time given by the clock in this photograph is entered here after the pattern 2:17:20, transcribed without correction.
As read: 3:44:09
